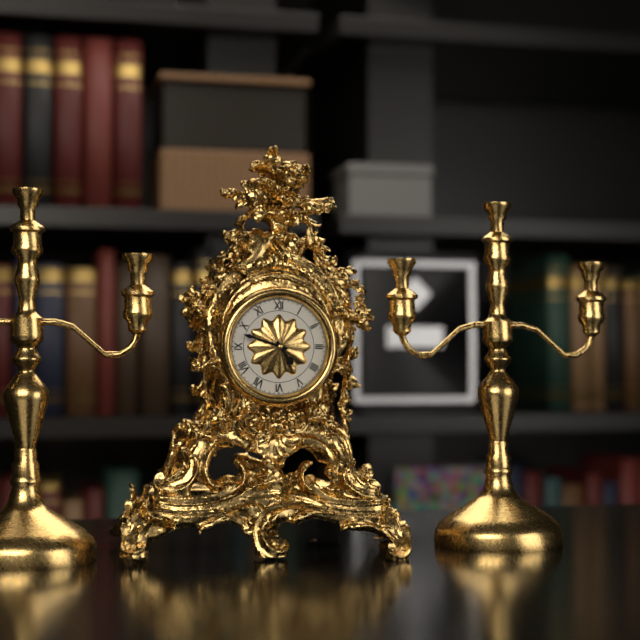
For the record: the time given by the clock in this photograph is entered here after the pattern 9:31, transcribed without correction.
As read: 4:48
